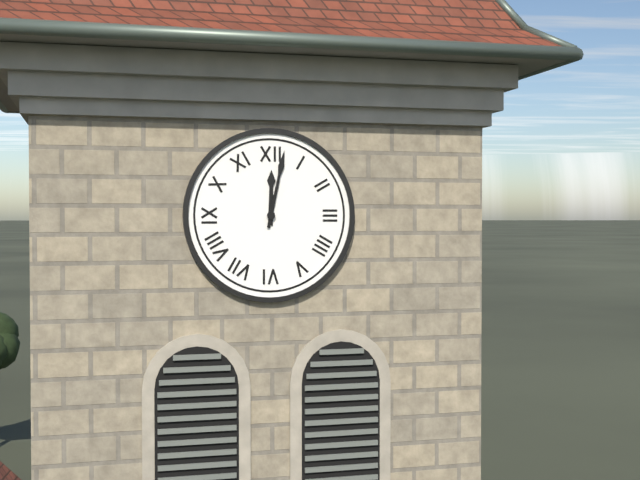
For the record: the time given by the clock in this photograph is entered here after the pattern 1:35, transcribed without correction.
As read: 12:02
